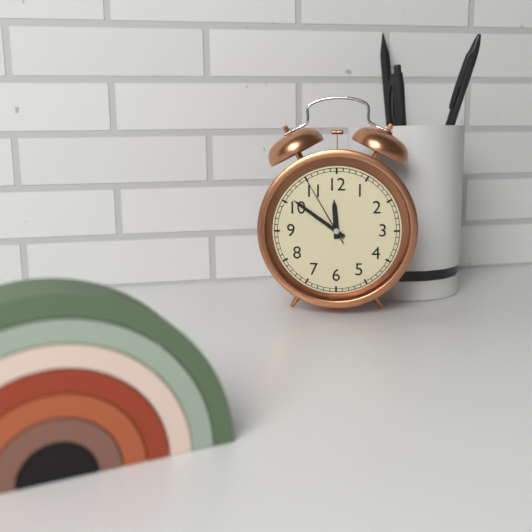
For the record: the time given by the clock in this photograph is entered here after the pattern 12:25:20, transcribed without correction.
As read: 11:51:55
